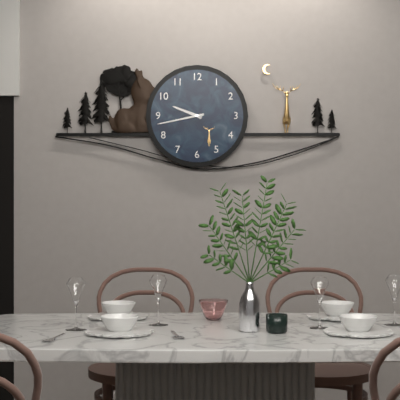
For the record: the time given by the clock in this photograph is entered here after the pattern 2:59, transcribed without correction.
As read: 9:43
